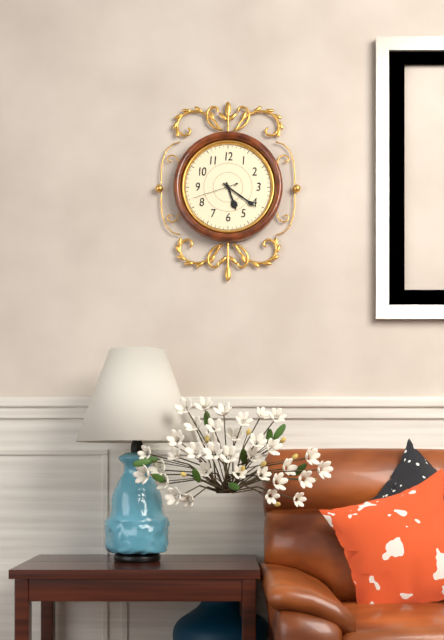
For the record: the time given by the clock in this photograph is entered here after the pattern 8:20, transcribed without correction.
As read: 5:21
